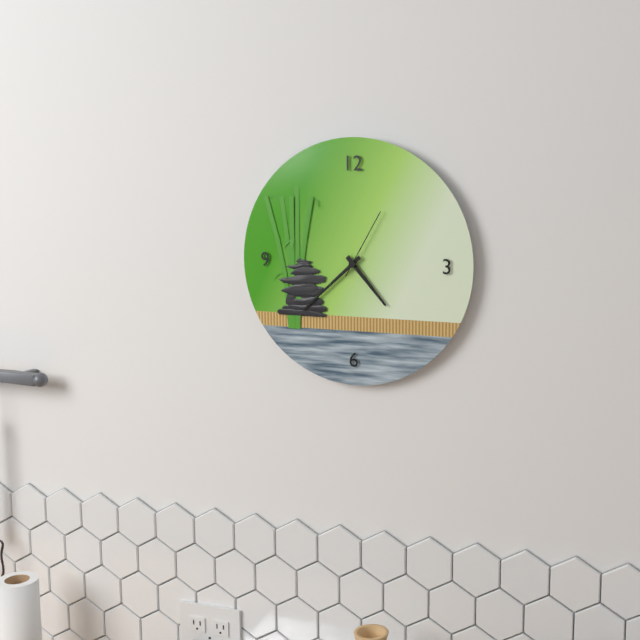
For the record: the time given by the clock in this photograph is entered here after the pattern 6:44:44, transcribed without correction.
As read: 4:38:05
